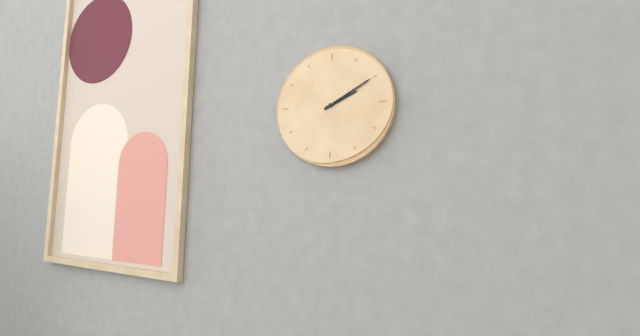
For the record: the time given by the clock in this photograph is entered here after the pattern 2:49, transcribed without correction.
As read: 2:10
